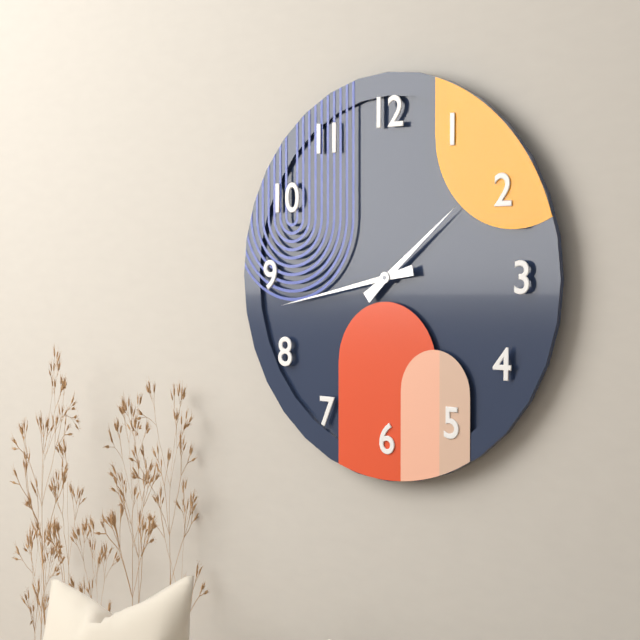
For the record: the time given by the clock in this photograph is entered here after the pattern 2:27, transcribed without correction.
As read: 1:43
